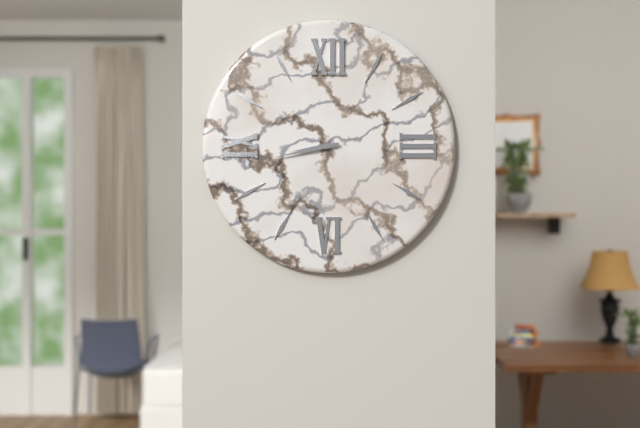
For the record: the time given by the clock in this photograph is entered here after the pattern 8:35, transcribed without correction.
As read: 8:43
